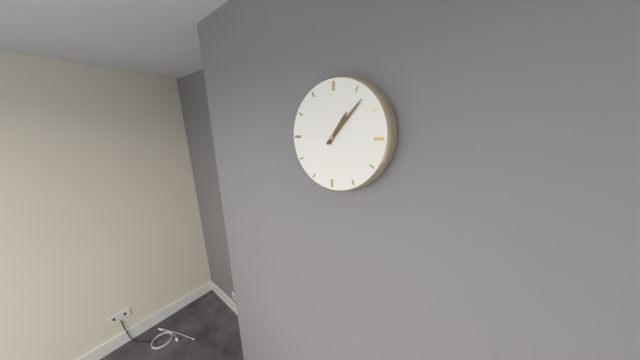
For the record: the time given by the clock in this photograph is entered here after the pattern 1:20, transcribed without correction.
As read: 1:07
